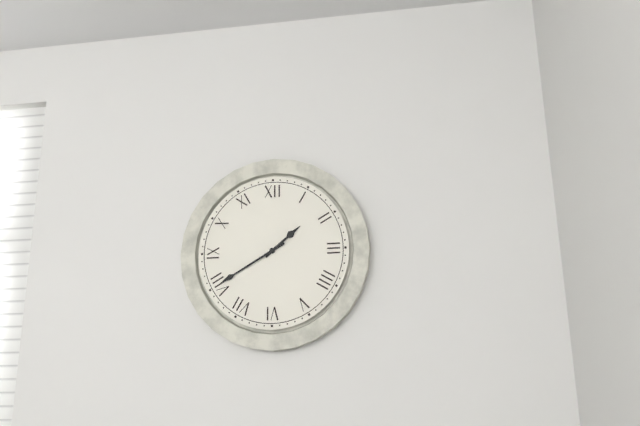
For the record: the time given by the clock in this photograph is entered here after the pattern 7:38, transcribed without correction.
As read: 1:40
